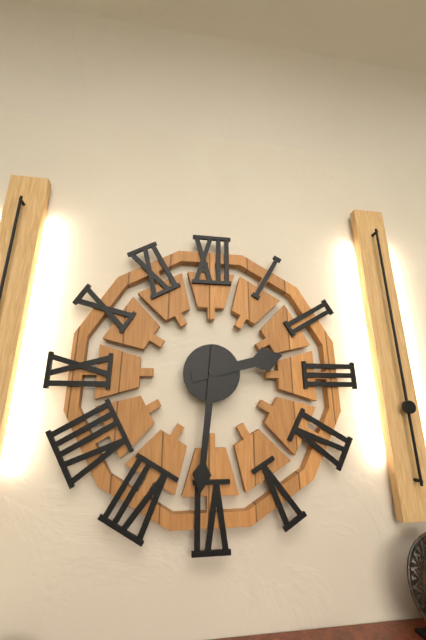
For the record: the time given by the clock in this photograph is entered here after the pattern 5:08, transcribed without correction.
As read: 2:31
